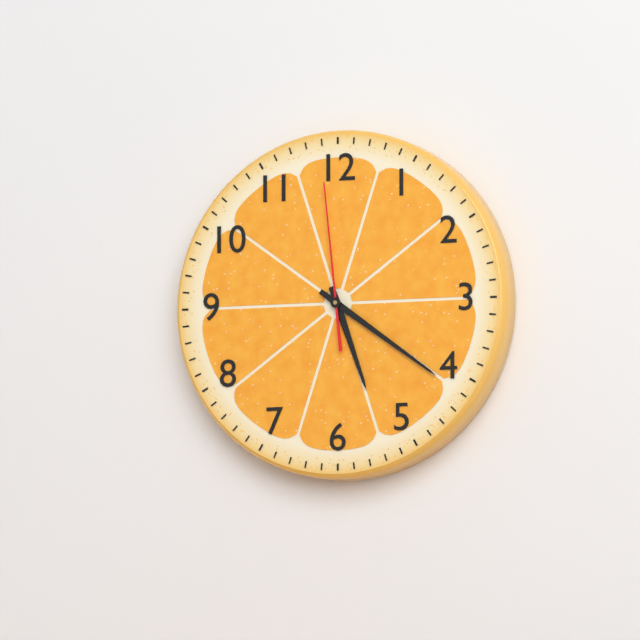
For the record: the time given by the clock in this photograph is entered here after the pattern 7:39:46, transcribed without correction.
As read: 5:21:59
